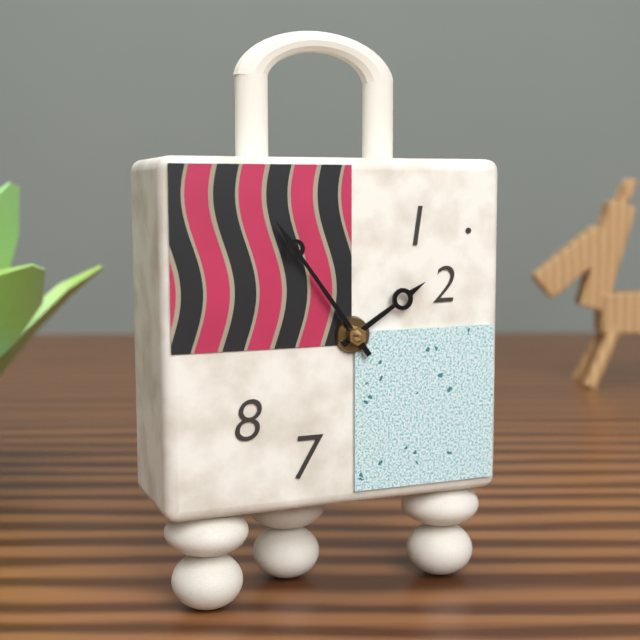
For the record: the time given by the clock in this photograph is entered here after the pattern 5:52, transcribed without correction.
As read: 1:54
